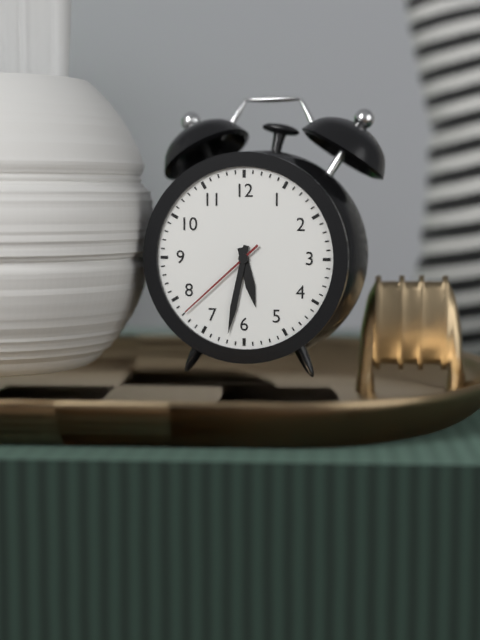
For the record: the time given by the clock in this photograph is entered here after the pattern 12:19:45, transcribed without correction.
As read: 5:32:38
